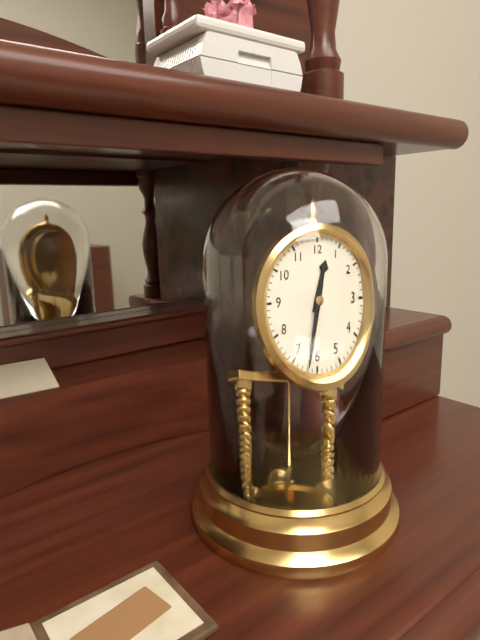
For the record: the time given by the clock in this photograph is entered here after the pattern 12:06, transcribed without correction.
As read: 12:32
